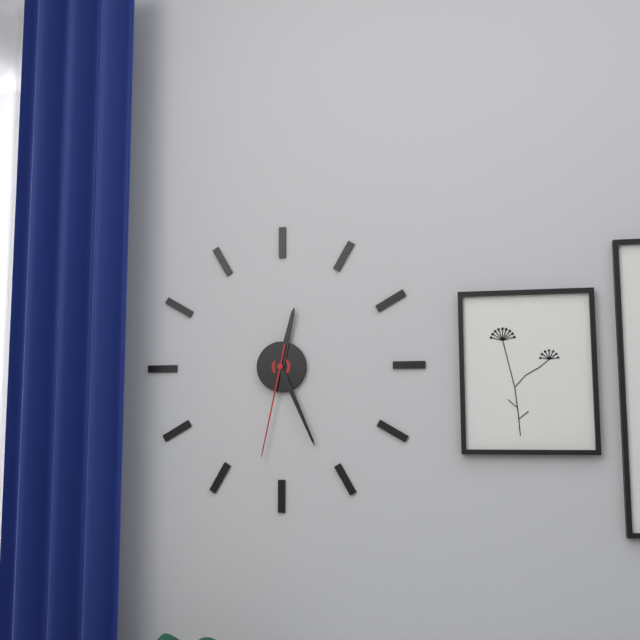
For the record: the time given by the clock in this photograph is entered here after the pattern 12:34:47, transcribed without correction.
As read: 12:26:32
